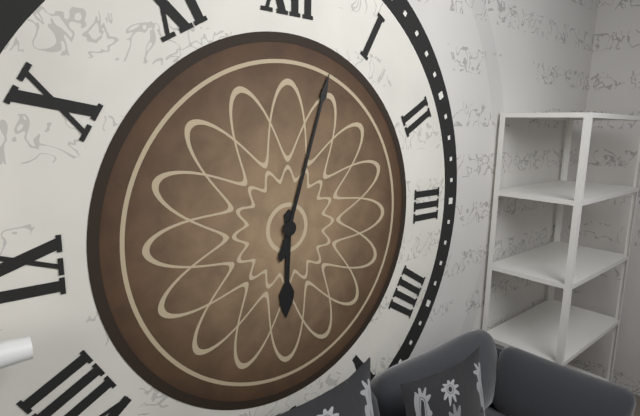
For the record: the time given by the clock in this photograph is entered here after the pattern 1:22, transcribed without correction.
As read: 6:03
